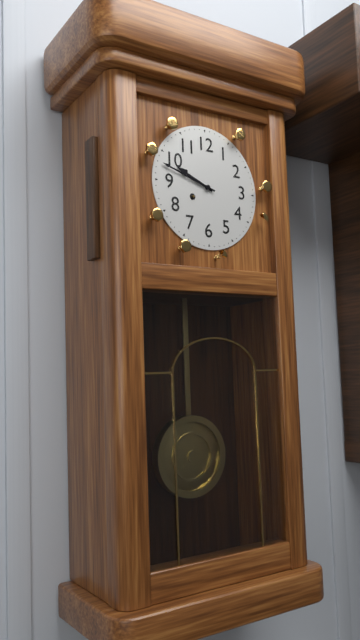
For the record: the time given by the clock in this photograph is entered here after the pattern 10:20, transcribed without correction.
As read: 9:48
